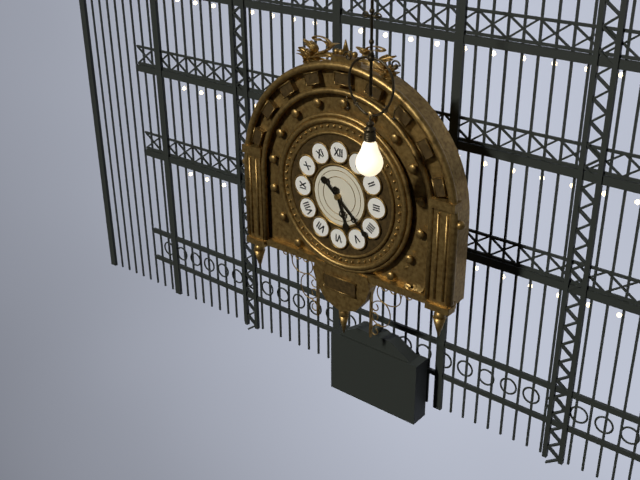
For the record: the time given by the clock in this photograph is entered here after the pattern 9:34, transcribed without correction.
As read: 5:22
